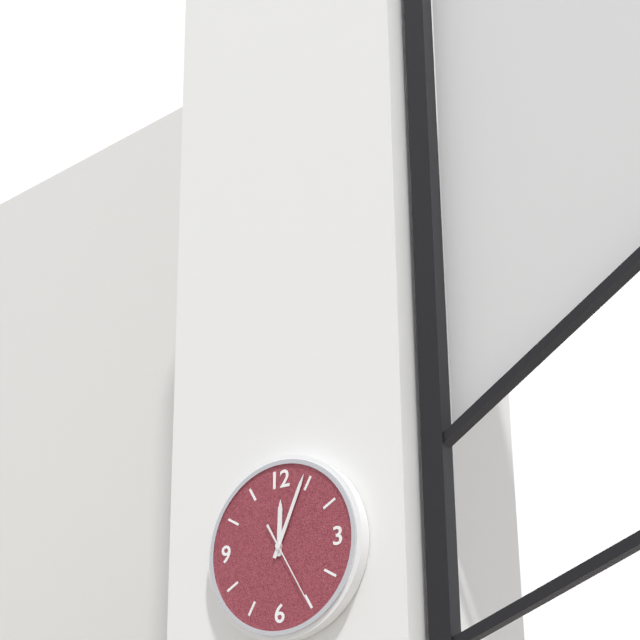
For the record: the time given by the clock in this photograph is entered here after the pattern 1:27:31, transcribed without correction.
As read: 12:04:25
